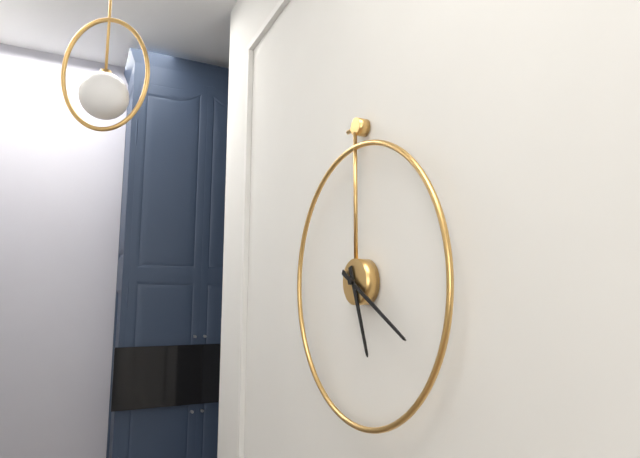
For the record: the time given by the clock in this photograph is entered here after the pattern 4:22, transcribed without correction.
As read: 5:20
